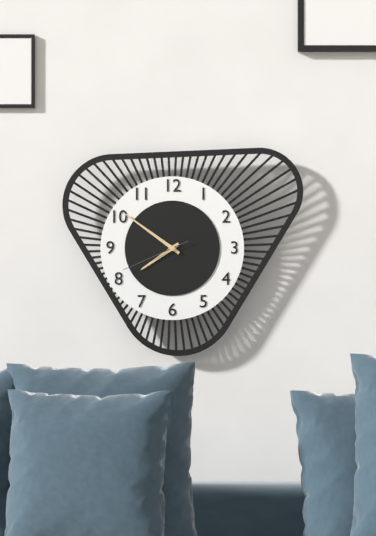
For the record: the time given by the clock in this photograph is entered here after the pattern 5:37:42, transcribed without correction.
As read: 7:51:41
